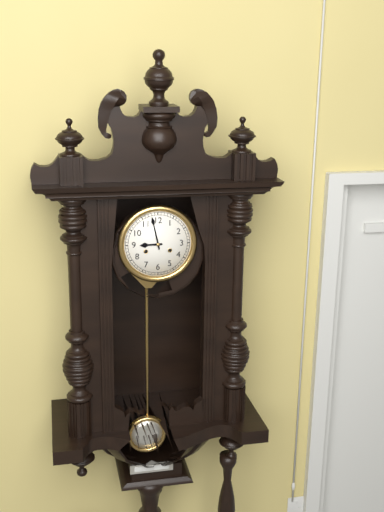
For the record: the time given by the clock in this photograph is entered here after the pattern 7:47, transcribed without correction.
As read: 8:58
